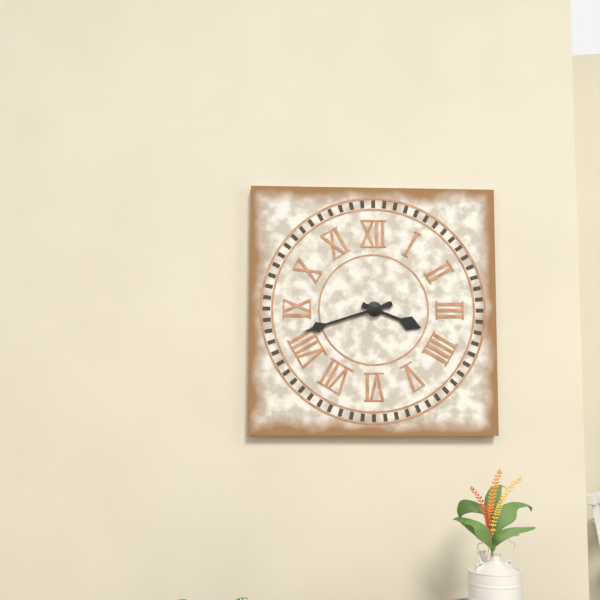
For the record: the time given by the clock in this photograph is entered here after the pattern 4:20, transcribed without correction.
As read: 3:42
